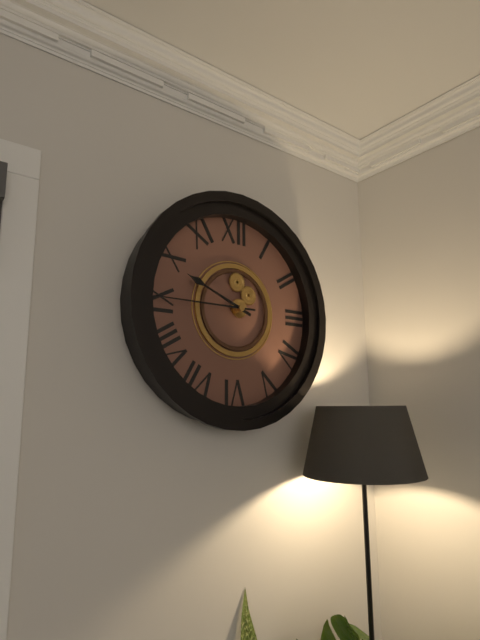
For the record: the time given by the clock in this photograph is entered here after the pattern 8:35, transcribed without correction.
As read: 9:45
